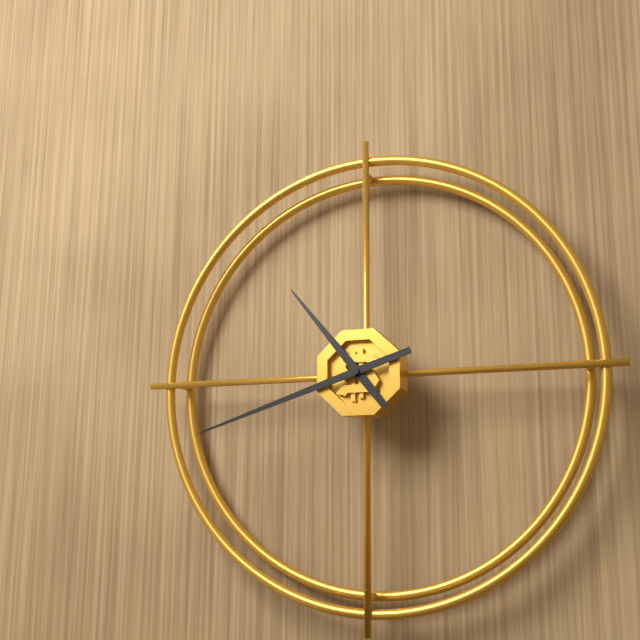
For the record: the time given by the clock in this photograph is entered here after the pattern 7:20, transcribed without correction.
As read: 10:42
